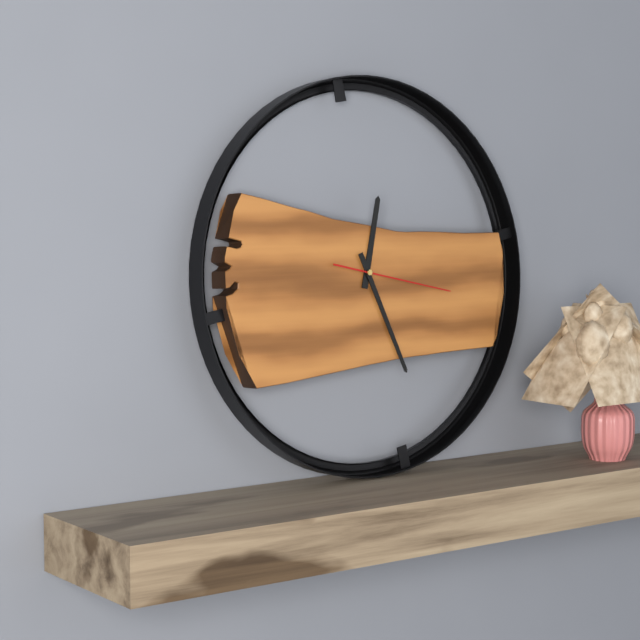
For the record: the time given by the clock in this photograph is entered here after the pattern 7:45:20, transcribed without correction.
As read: 12:26:17
